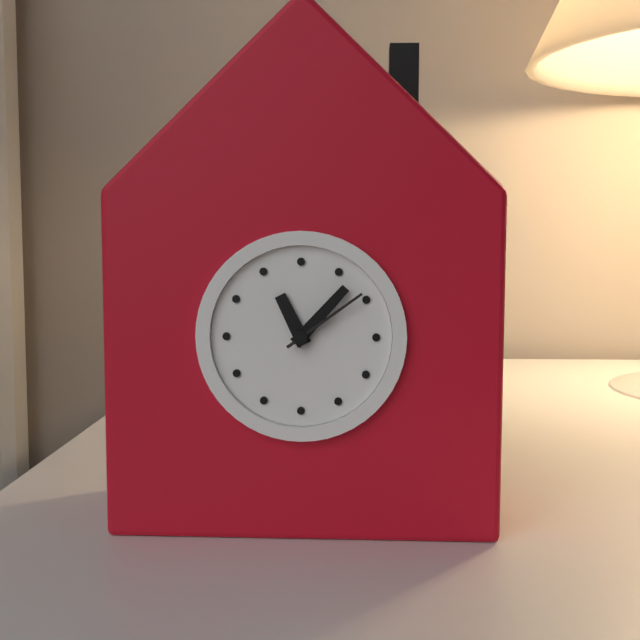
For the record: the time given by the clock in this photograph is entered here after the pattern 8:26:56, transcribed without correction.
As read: 11:07:09
